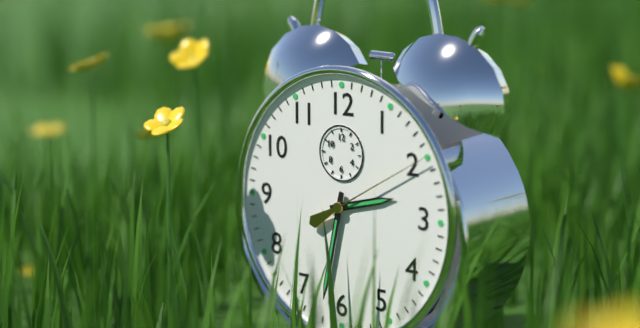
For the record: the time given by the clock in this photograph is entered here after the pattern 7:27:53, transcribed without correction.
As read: 2:32:10
